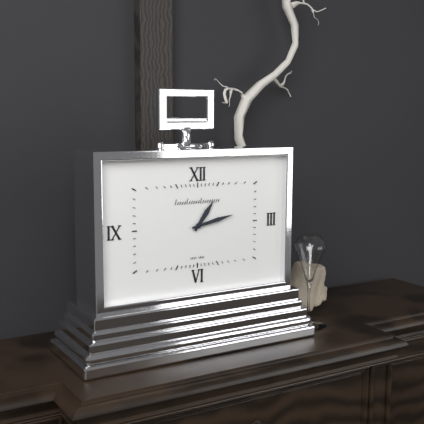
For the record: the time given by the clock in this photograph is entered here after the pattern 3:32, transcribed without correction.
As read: 1:13
